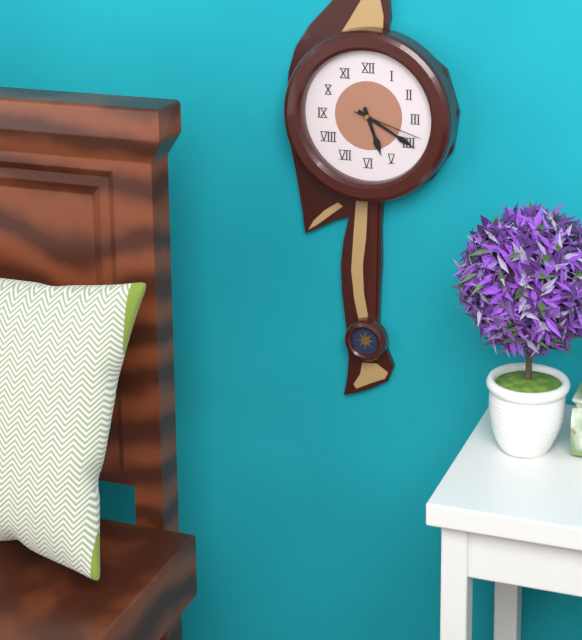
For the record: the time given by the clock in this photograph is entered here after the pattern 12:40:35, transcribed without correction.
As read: 5:20:18
